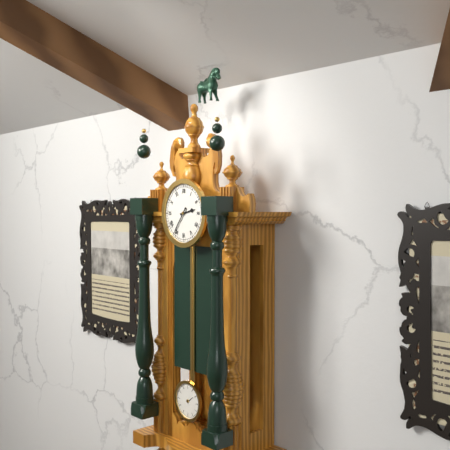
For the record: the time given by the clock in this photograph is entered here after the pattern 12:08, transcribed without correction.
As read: 2:36
